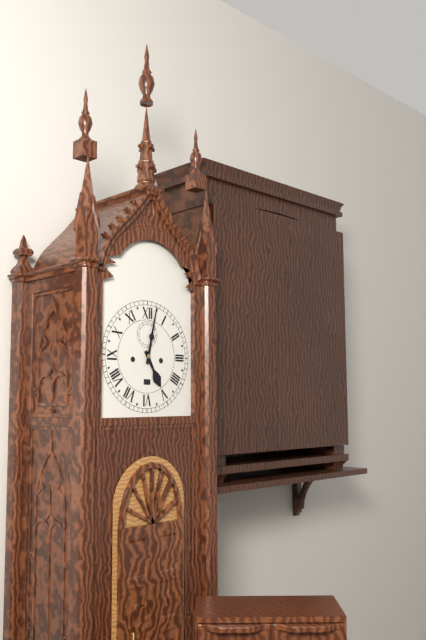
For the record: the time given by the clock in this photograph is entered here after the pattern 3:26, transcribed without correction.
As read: 5:02
